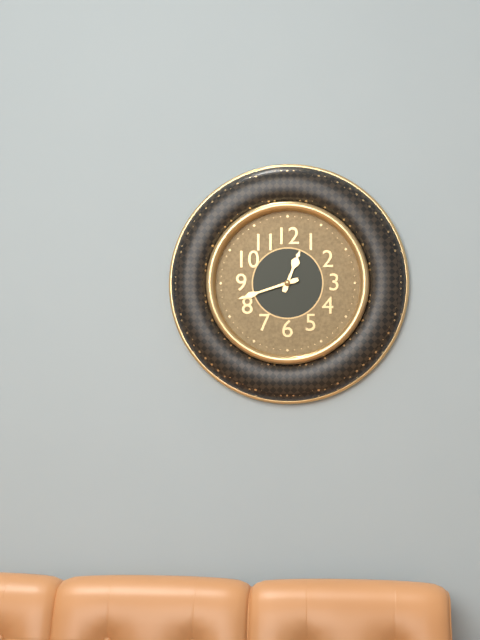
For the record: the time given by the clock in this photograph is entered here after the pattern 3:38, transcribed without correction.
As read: 12:42
